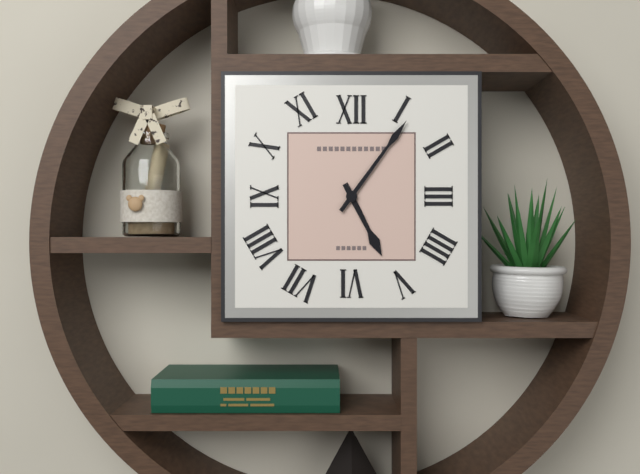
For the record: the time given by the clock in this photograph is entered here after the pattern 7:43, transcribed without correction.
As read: 5:06
